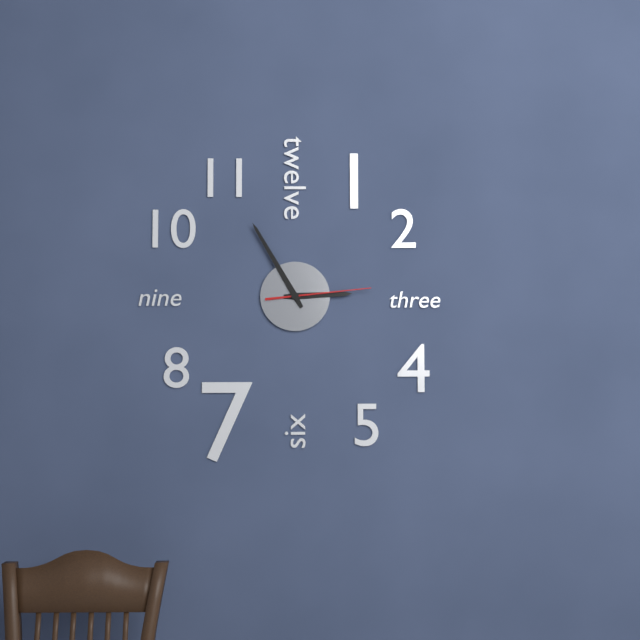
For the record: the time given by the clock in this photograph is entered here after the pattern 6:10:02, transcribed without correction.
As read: 2:55:14
